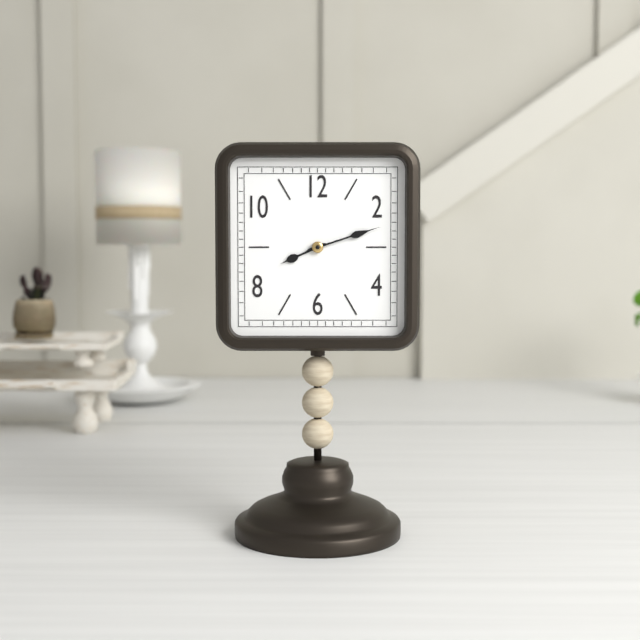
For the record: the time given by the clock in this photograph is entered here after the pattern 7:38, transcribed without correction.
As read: 8:12
